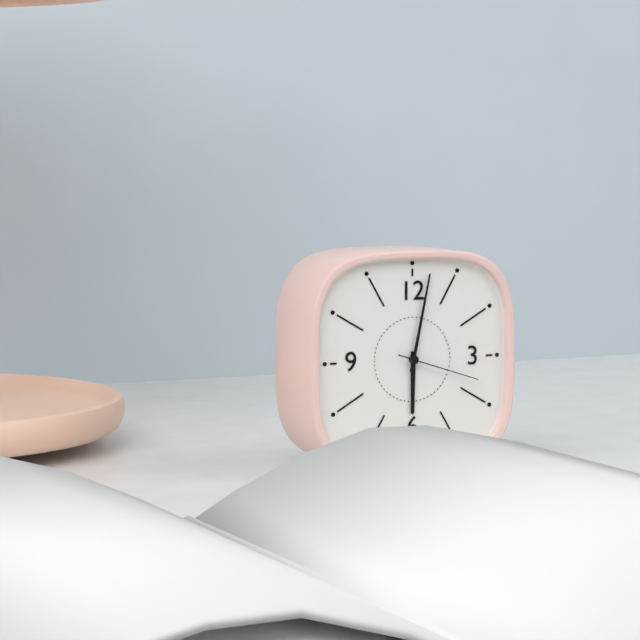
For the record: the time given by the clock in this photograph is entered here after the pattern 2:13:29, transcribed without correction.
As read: 6:02:18
